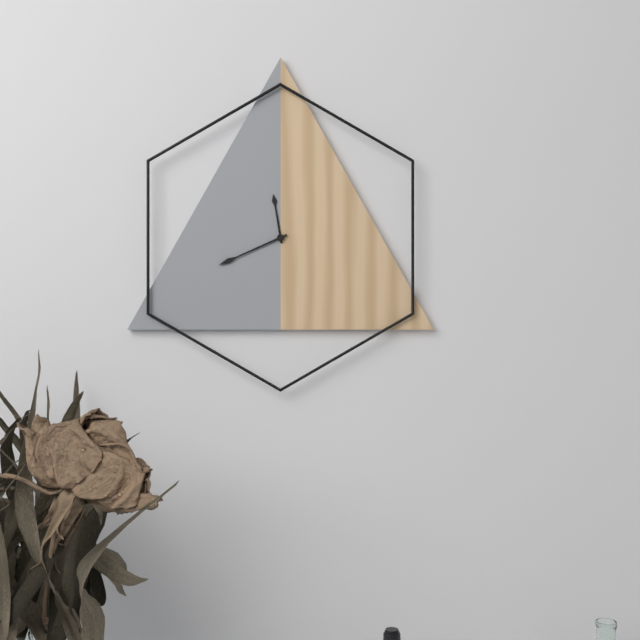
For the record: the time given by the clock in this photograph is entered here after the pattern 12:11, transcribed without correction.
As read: 11:41
